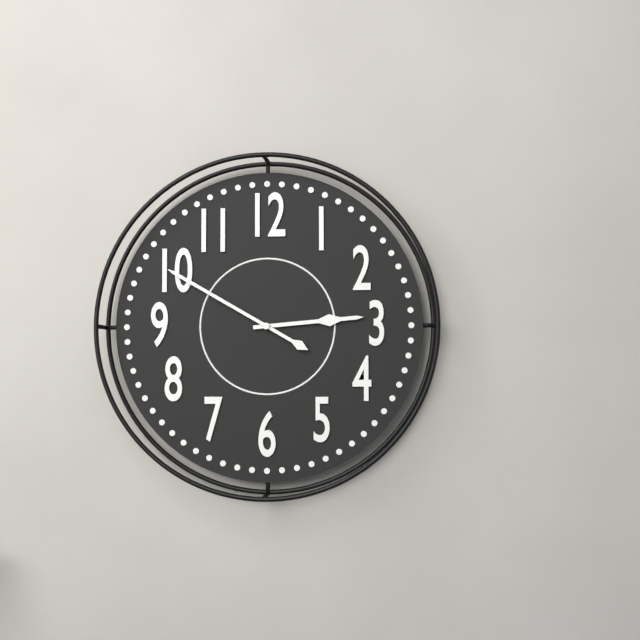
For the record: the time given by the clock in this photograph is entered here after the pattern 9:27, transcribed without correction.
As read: 2:50
